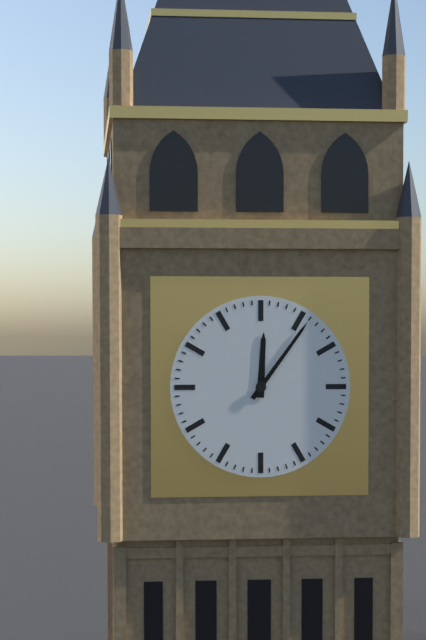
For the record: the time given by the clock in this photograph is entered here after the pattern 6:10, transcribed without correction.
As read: 12:06
